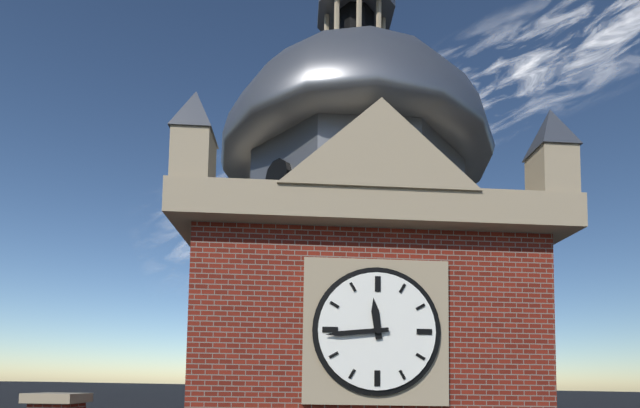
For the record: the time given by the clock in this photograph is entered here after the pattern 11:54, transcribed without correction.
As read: 11:44
